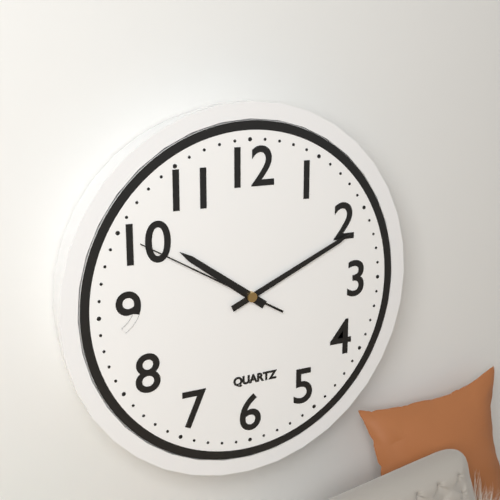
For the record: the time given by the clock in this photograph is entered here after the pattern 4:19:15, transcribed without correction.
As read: 10:11:50
